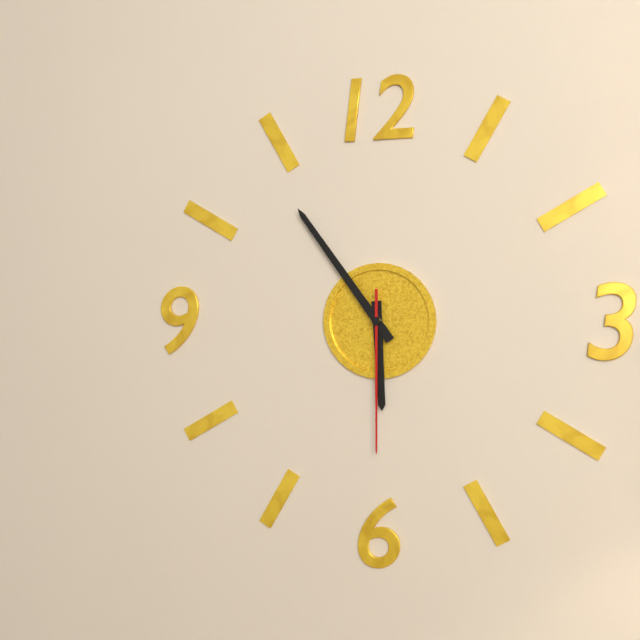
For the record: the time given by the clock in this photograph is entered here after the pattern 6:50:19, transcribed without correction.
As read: 5:54:30
